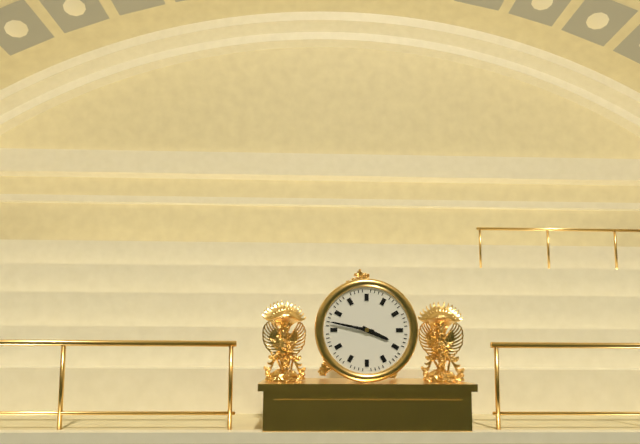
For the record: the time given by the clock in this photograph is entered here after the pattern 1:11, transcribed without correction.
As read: 3:47
